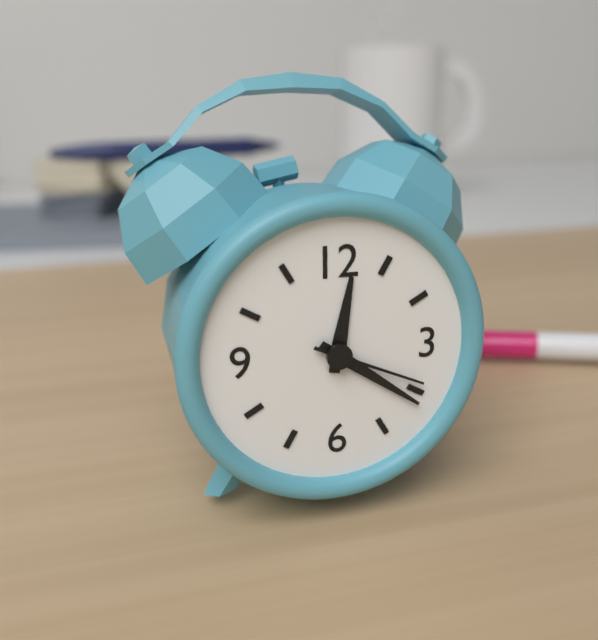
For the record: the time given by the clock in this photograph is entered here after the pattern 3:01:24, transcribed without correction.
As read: 12:21:19
